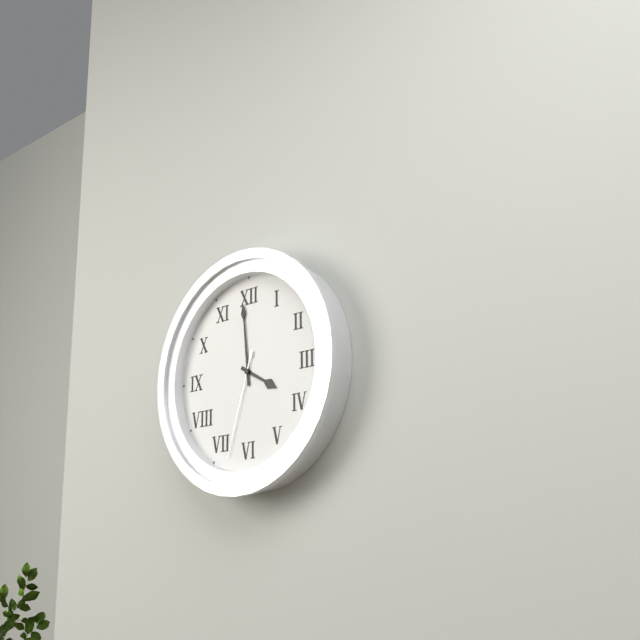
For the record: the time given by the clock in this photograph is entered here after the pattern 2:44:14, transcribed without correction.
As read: 3:59:33
